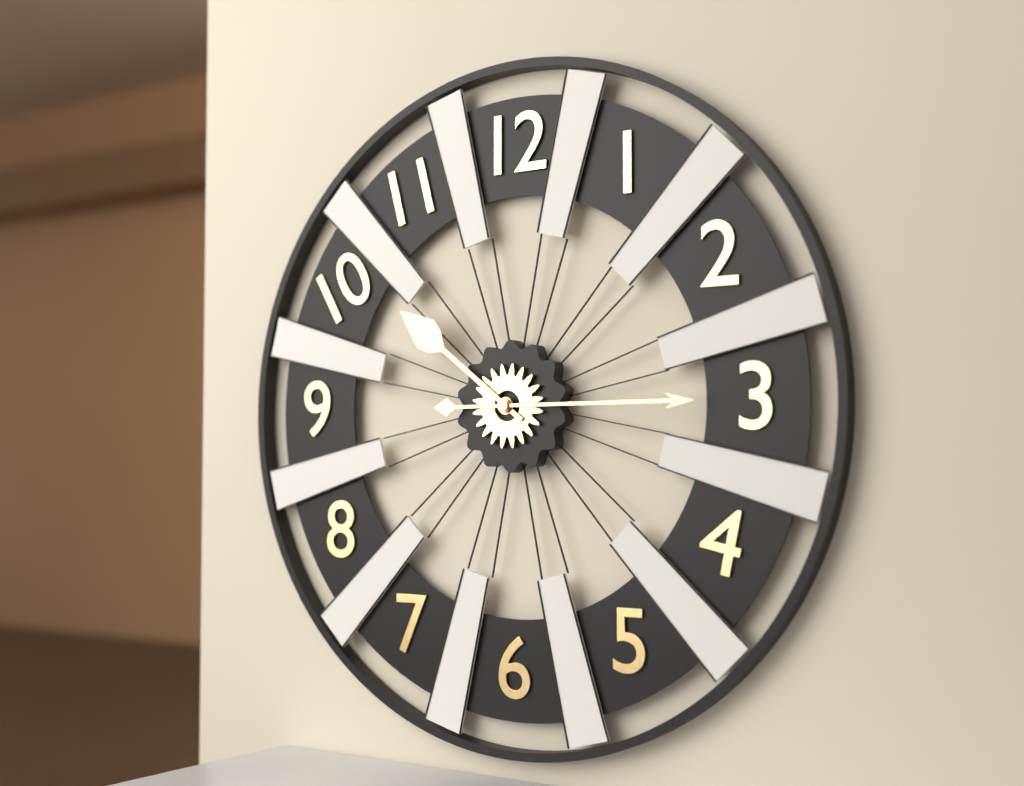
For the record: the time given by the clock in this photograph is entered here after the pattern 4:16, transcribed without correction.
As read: 10:15
